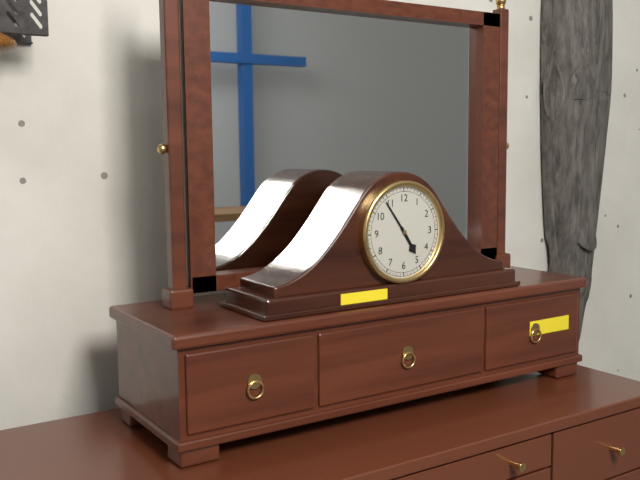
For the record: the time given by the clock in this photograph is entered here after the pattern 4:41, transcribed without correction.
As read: 4:54
